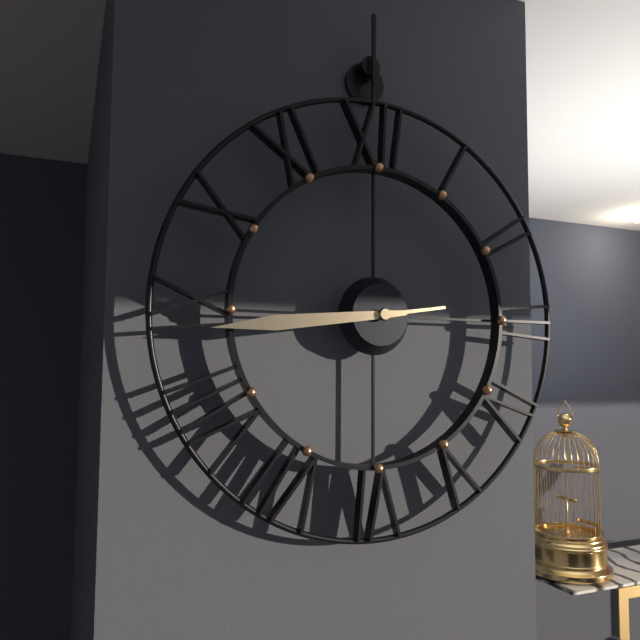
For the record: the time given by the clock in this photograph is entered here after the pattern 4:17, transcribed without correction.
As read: 8:44
